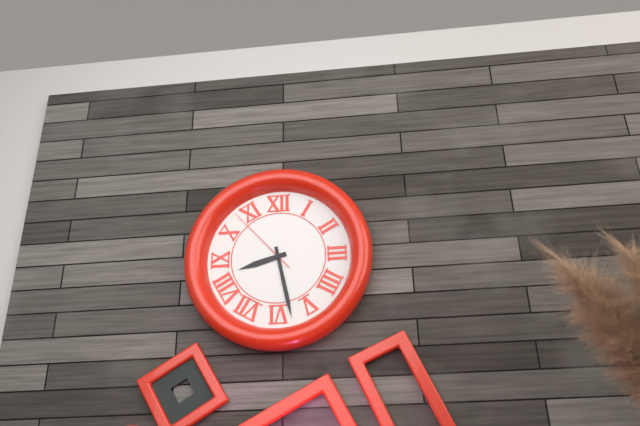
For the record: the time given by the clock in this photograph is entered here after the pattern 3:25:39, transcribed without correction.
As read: 8:28:53
